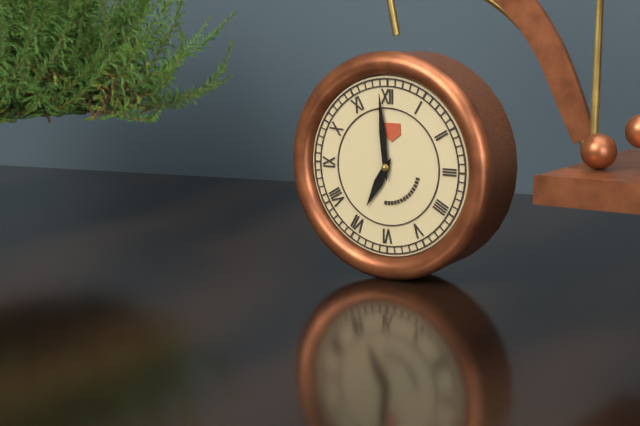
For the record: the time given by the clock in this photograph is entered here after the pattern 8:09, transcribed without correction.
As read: 6:59
